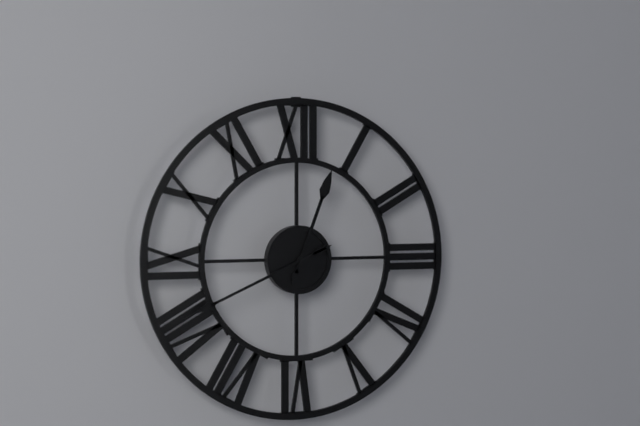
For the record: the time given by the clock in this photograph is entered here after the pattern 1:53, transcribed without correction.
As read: 12:41
